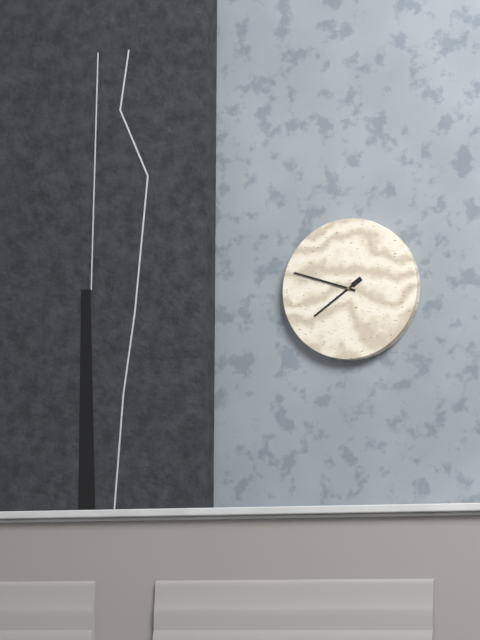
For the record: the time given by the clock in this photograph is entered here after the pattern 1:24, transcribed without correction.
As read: 7:48
